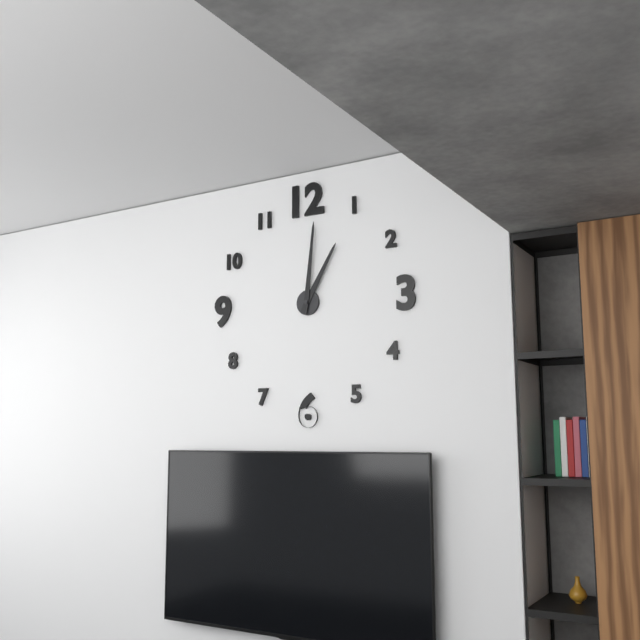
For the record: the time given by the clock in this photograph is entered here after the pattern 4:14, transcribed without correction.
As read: 1:01
